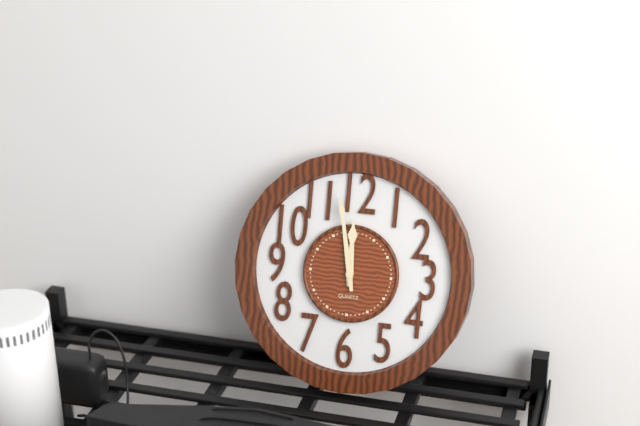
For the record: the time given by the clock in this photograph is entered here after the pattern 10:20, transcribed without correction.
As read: 11:58
